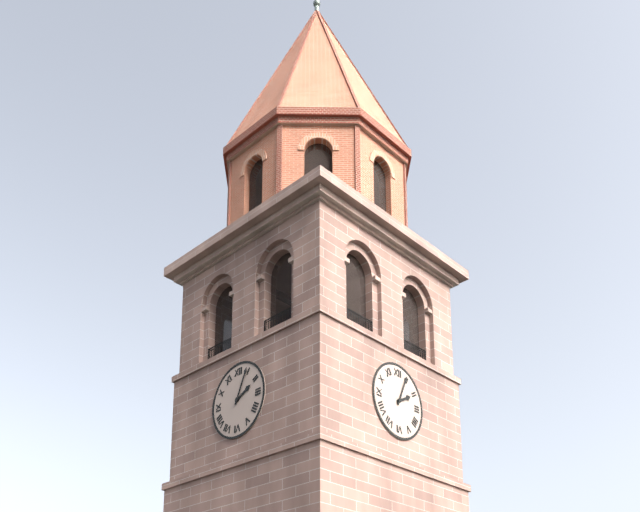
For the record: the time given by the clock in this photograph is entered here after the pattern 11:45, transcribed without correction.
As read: 2:04
